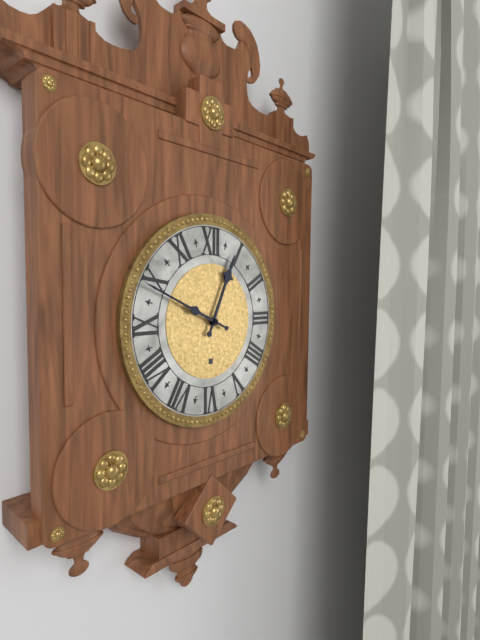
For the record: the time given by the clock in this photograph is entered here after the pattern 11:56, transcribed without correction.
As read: 12:49
